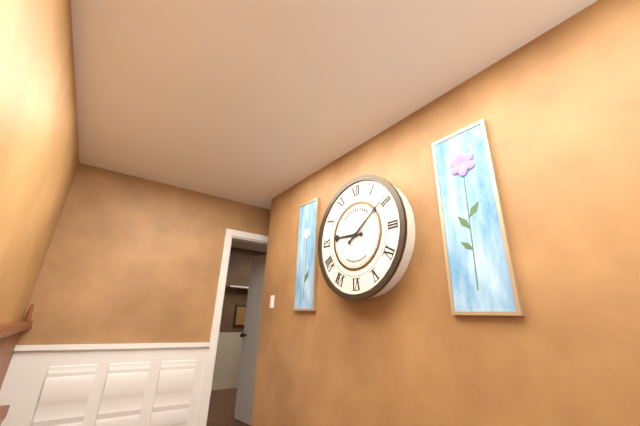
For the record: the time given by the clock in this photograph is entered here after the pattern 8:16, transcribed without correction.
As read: 9:09
